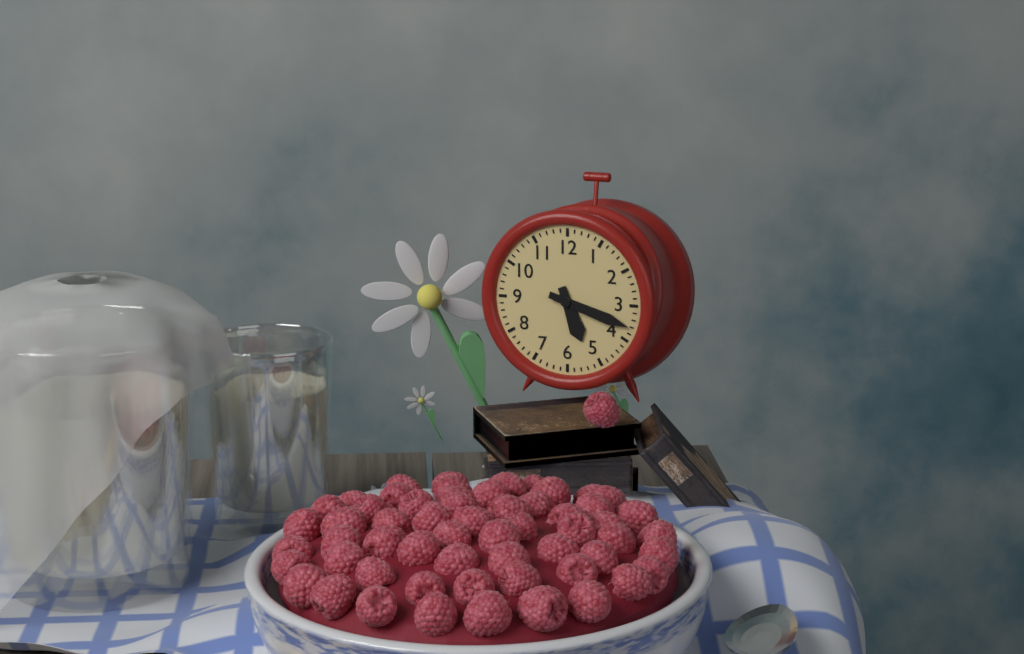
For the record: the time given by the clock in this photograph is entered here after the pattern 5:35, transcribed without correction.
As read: 5:18
